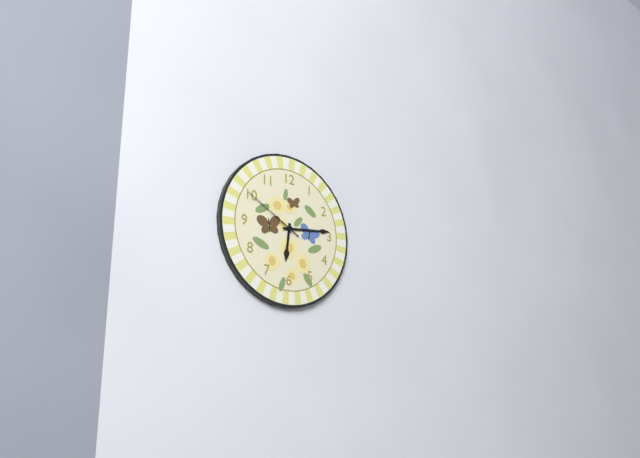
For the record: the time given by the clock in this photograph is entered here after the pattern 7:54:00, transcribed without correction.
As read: 6:14:50
